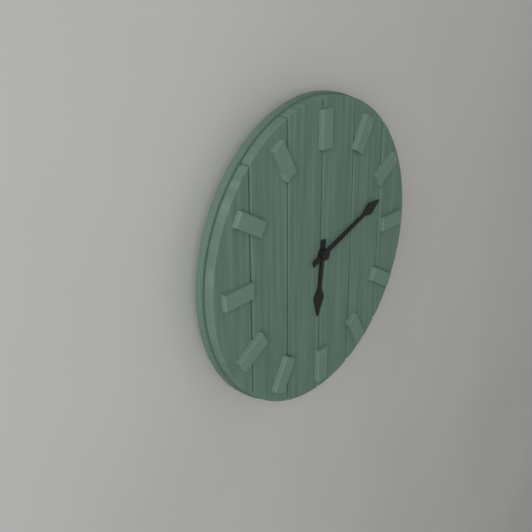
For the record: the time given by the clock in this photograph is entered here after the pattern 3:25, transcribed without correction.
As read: 6:12
